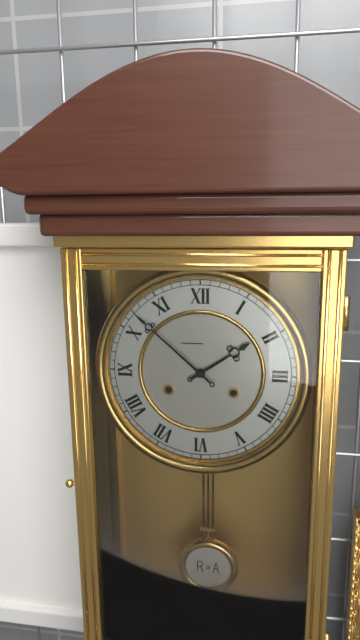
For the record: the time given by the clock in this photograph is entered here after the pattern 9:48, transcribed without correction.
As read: 1:52
